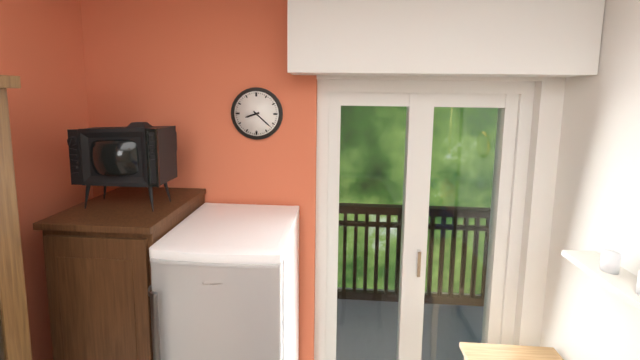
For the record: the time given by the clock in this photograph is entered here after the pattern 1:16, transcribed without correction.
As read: 8:22
